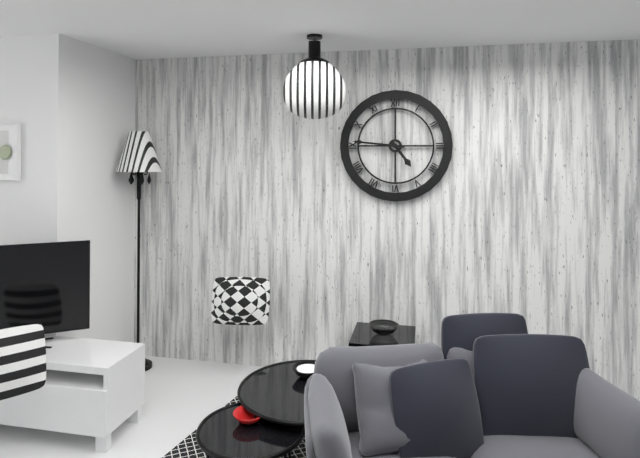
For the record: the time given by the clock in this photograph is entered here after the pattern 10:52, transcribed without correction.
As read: 4:46
